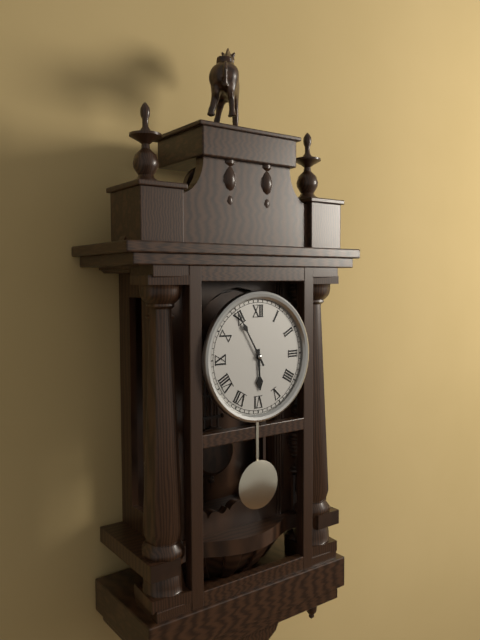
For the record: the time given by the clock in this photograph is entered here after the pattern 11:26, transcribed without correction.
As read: 5:55
